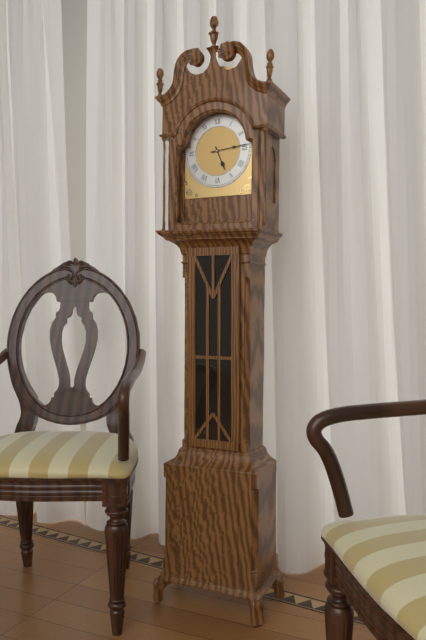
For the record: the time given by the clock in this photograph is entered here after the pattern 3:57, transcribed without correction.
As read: 5:14
